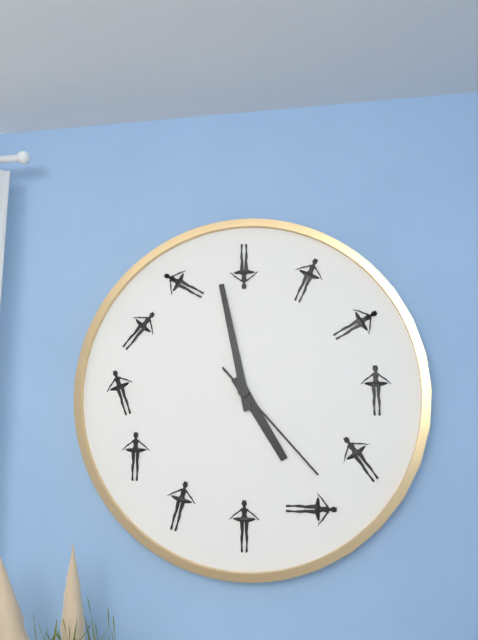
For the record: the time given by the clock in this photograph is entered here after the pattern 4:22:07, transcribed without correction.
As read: 4:58:23
